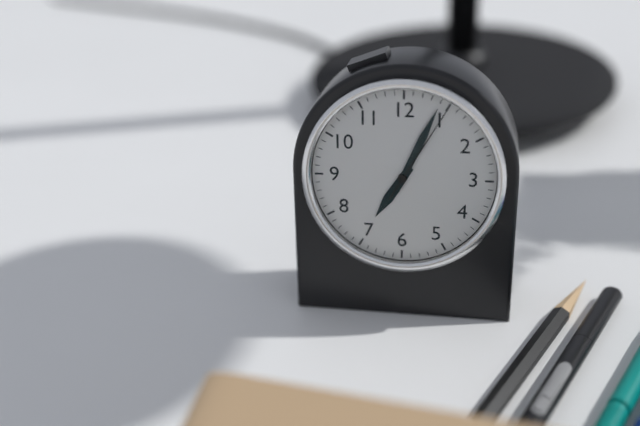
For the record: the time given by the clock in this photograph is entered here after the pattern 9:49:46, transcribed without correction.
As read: 7:04:05
